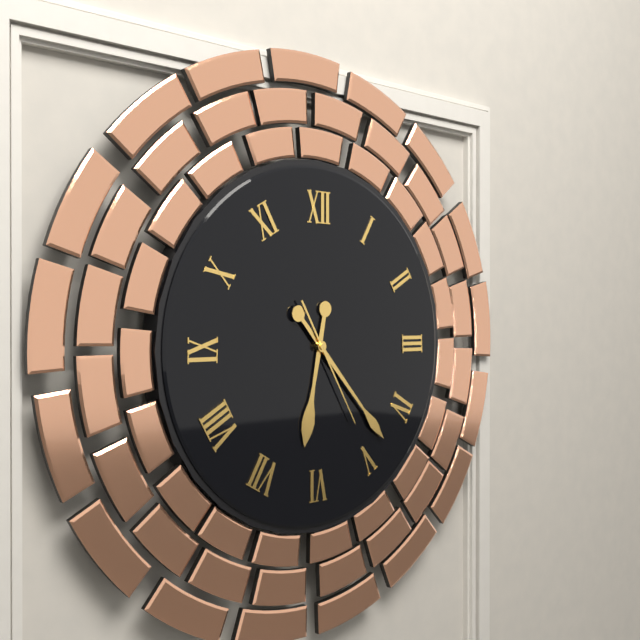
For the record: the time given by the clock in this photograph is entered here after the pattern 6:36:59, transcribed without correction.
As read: 6:23:25
